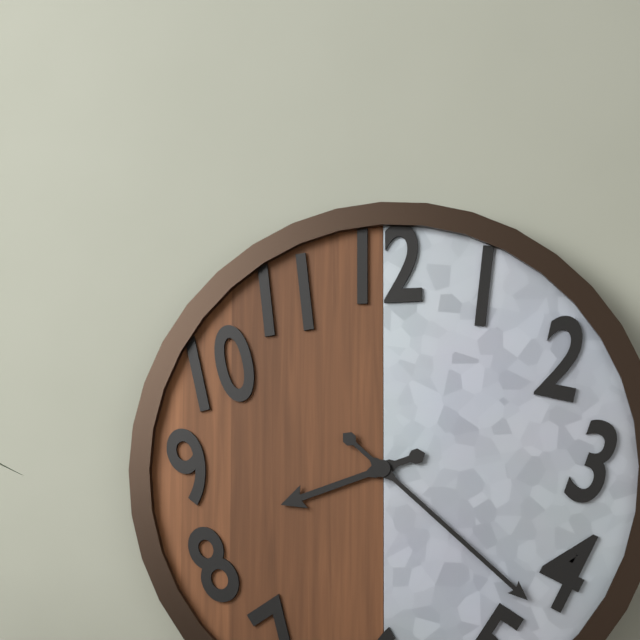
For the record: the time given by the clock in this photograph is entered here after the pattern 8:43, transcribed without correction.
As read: 8:22
